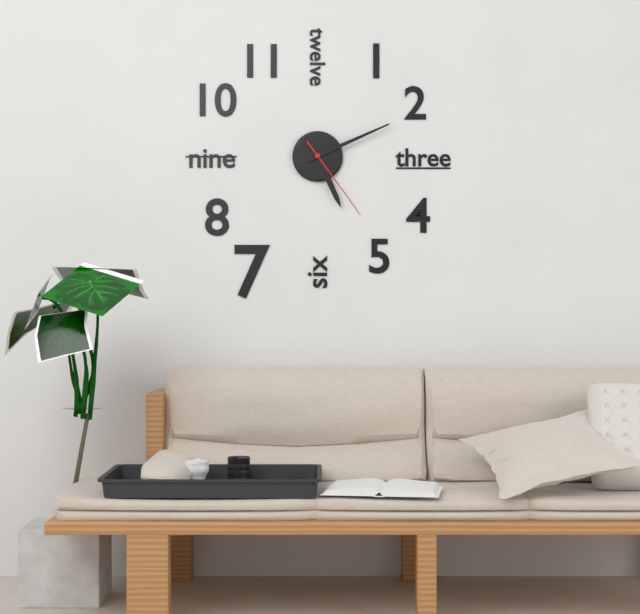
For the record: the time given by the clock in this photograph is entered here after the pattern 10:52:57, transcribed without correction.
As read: 5:11:24
